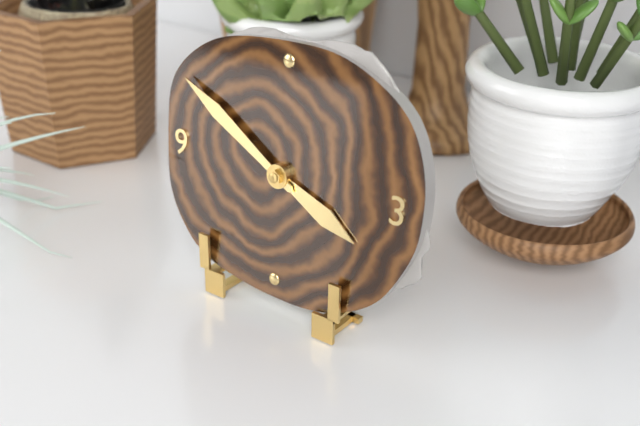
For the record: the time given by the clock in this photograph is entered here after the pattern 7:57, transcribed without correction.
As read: 3:50
